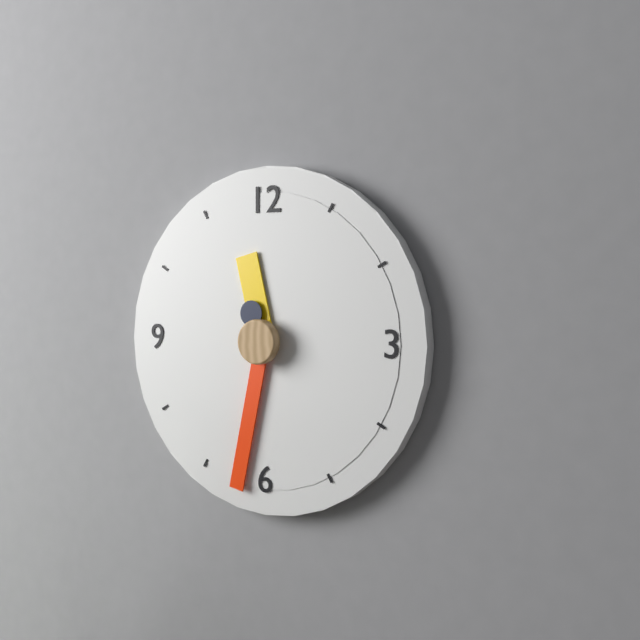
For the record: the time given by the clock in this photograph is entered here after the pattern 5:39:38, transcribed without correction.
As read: 11:32:56
